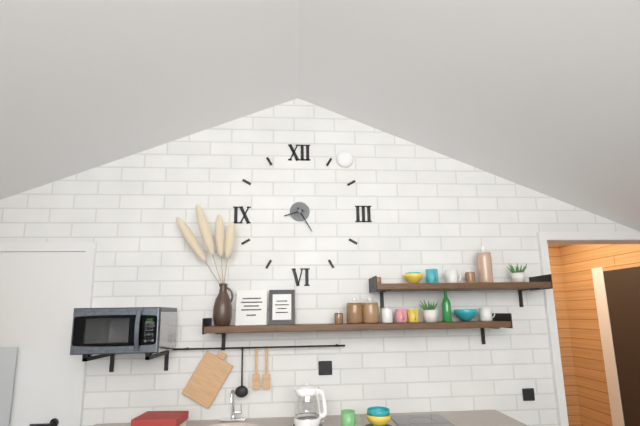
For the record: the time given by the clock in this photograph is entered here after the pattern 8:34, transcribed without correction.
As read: 8:25
